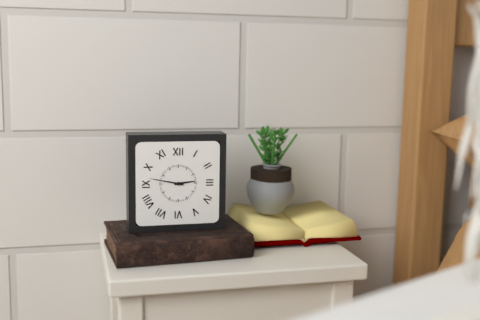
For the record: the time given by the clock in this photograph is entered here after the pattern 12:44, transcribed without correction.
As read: 2:47
